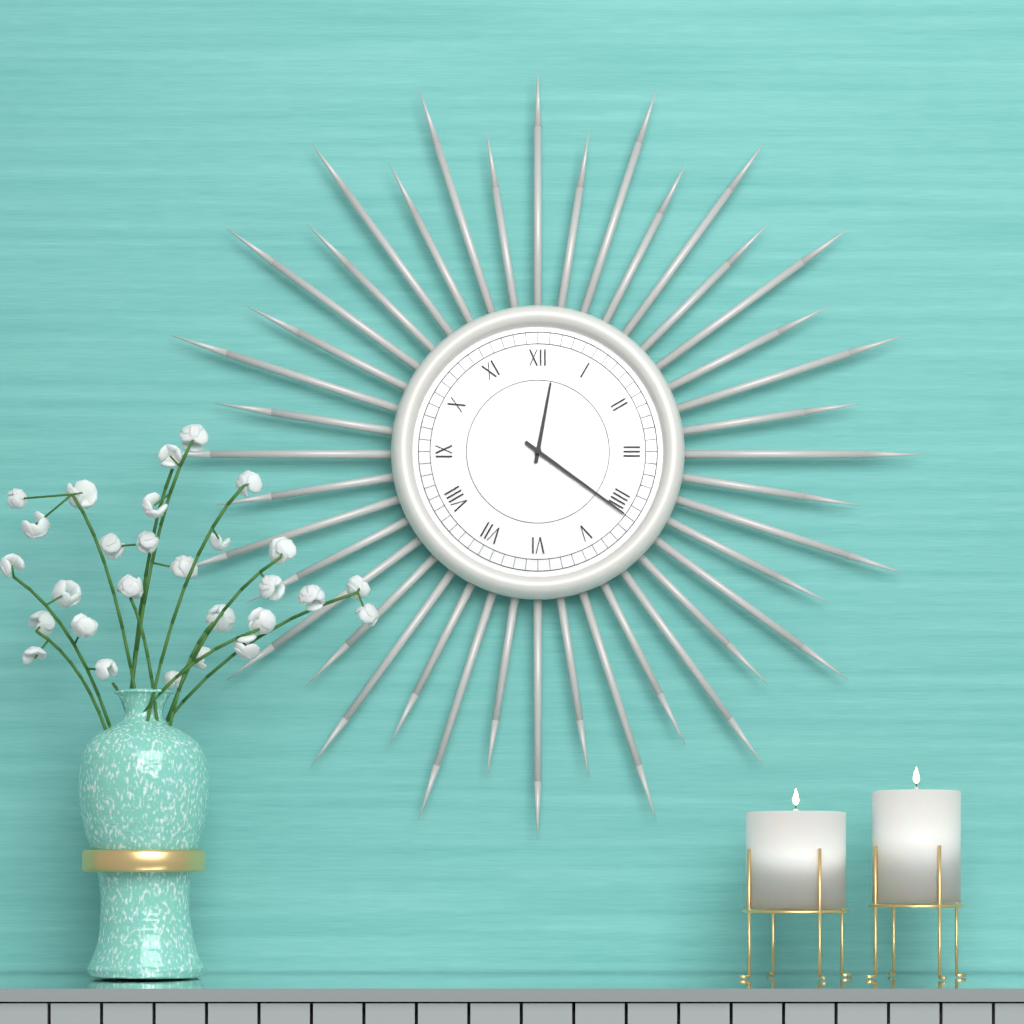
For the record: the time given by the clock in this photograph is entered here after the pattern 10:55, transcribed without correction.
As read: 12:21
